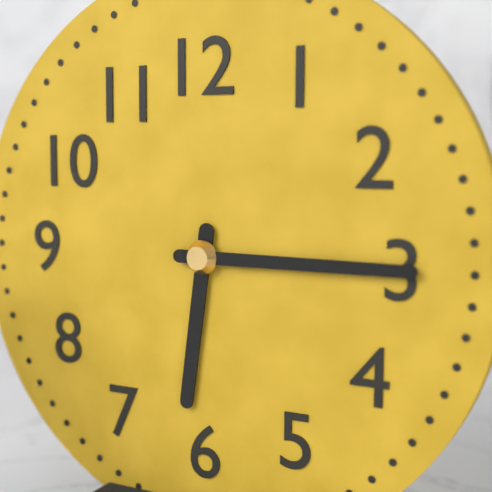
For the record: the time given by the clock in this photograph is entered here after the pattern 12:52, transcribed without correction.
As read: 6:15
